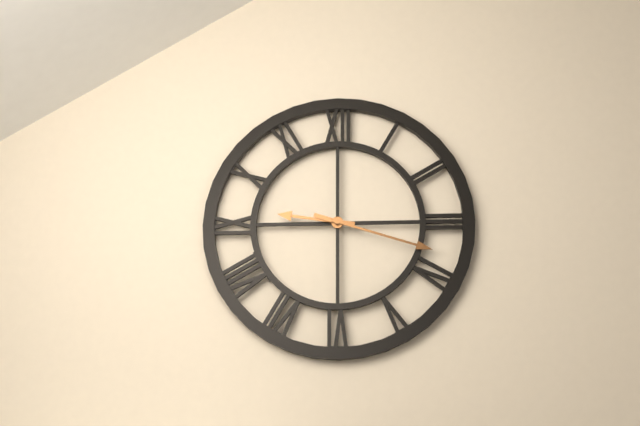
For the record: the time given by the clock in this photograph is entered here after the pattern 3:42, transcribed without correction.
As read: 9:18
